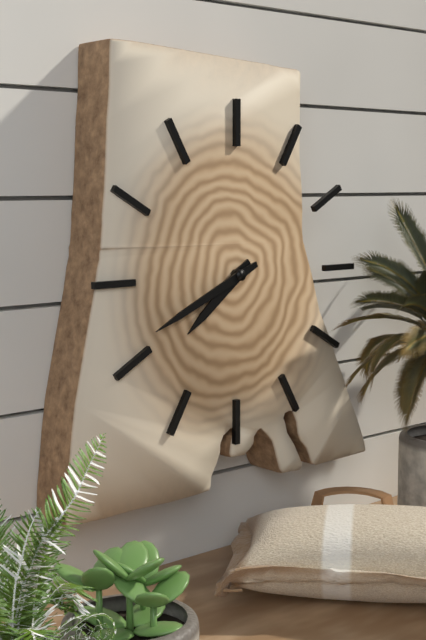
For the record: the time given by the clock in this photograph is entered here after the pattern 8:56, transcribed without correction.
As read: 7:41
